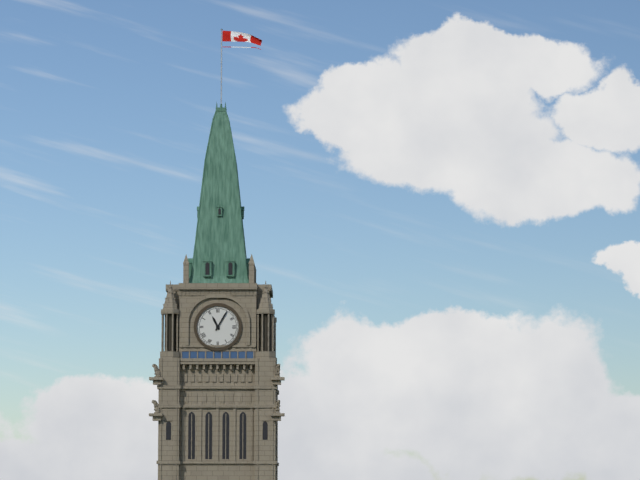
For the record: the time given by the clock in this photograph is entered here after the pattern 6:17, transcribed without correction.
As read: 11:05
